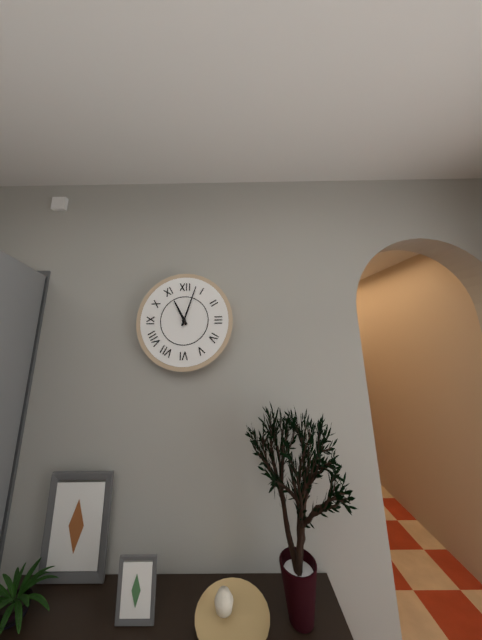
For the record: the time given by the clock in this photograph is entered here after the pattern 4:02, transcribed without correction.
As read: 11:03
